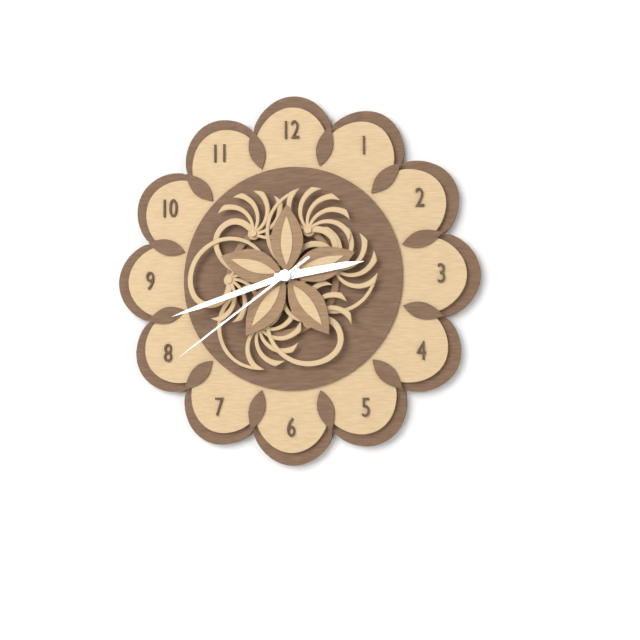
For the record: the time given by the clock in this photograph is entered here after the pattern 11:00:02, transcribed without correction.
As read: 2:42:39
